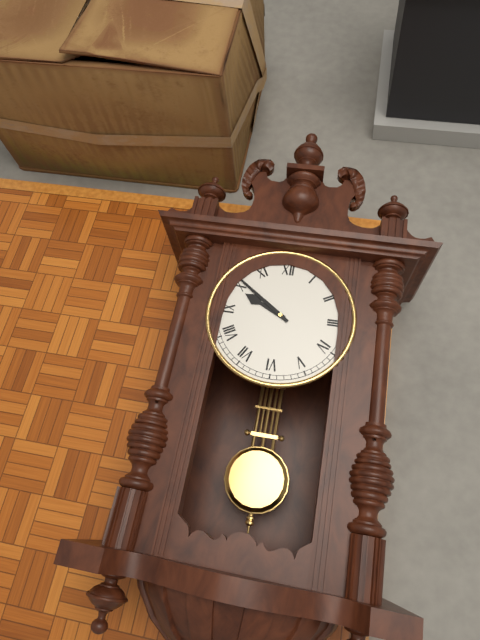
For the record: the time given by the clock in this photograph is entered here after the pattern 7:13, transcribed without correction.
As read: 9:51
